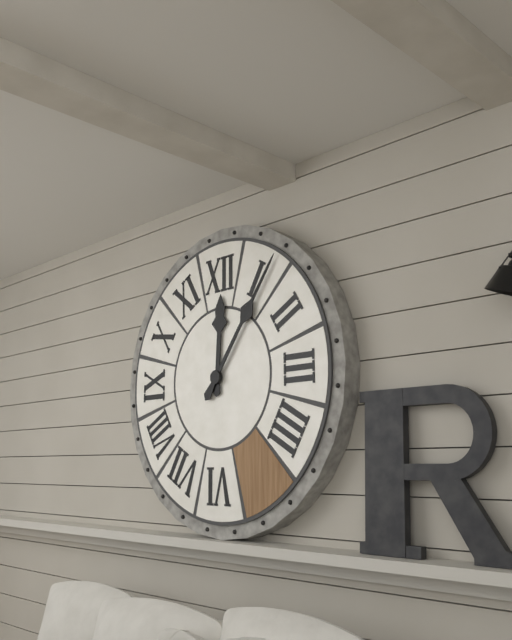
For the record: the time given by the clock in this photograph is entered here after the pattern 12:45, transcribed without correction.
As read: 12:06
